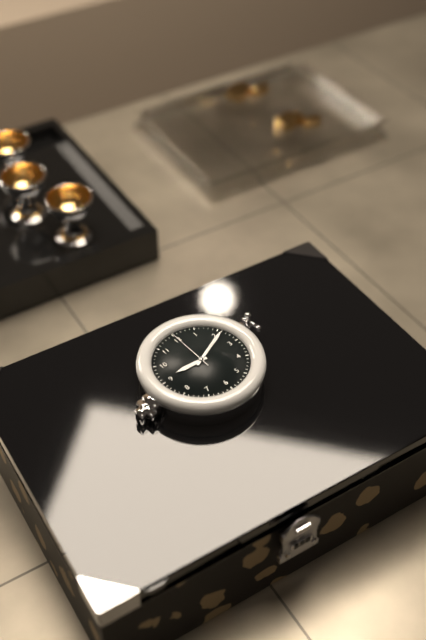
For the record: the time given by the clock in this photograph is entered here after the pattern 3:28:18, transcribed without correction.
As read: 9:11:00
